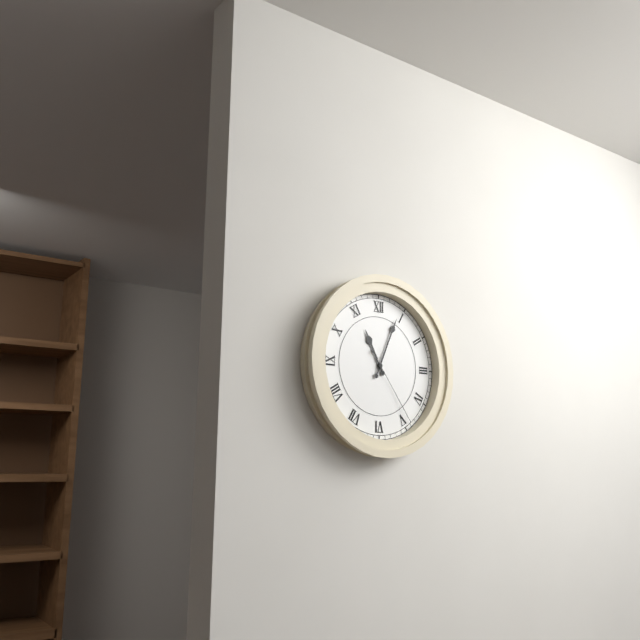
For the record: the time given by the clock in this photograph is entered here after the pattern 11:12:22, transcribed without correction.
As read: 11:04:24
